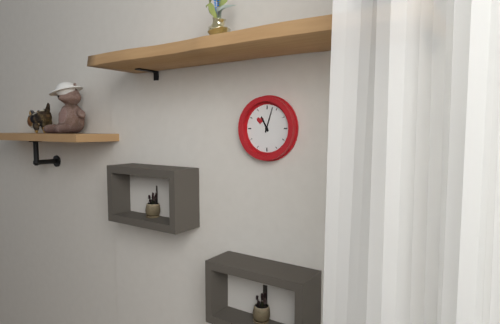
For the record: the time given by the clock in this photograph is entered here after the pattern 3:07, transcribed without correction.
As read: 11:03
